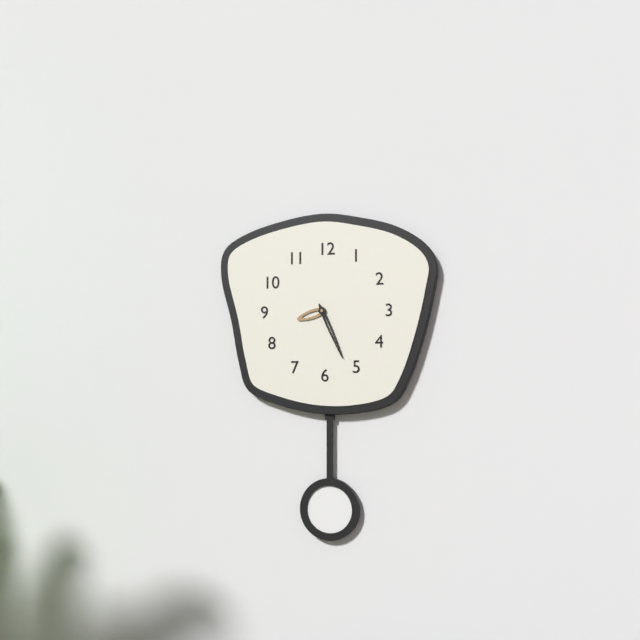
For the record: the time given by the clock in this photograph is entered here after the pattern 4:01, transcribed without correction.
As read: 8:26
